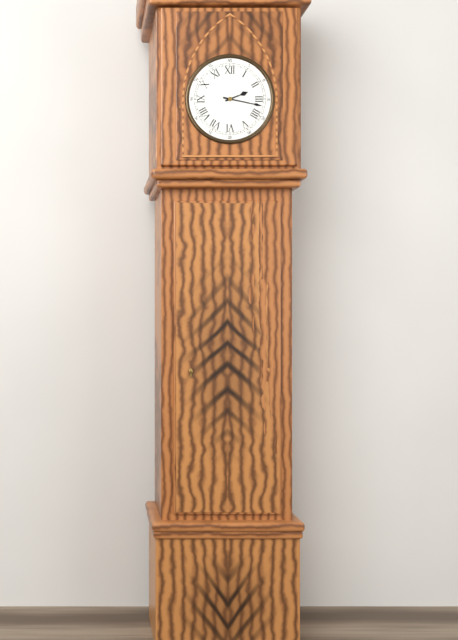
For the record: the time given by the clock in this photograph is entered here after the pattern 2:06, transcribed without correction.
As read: 2:17
